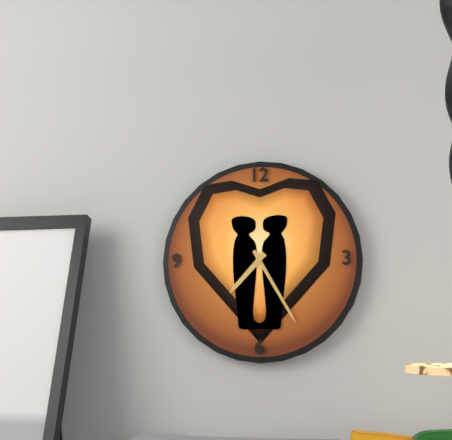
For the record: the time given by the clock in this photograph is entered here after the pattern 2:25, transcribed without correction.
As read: 7:25
